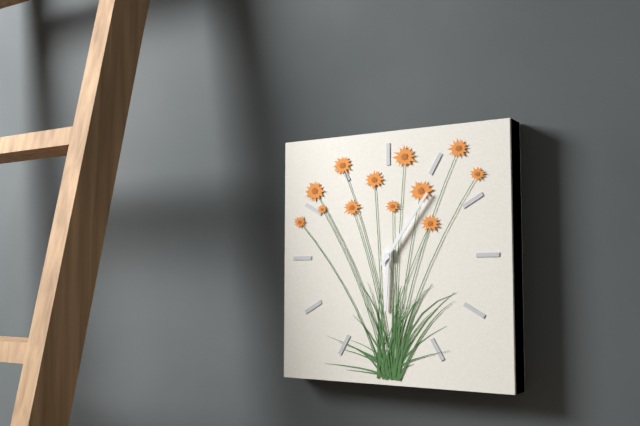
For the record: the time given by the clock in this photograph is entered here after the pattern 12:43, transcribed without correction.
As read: 6:06
